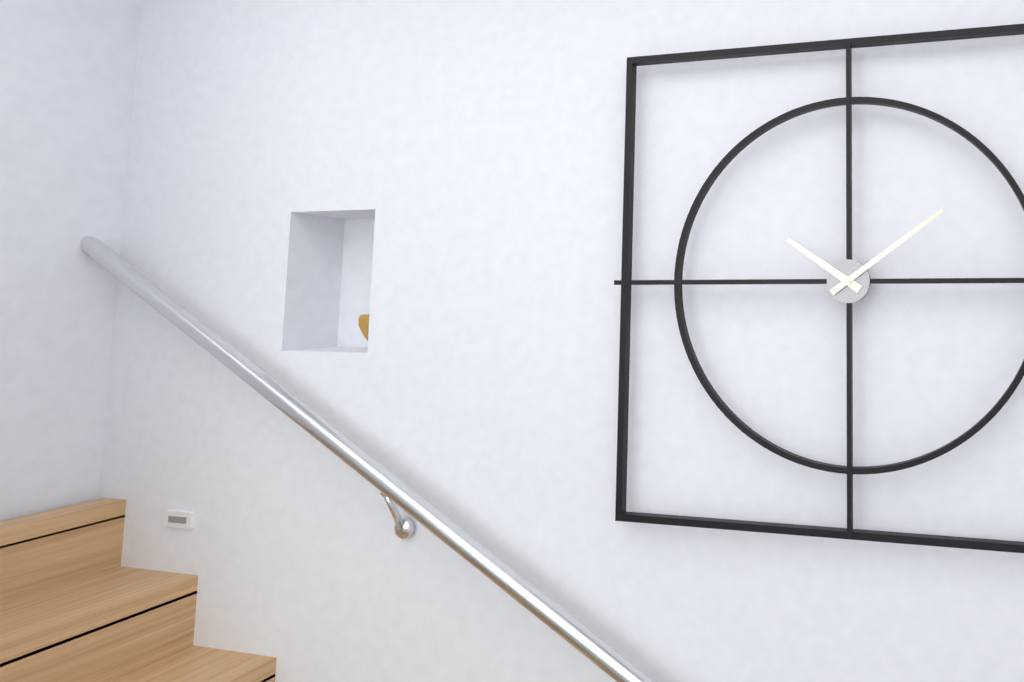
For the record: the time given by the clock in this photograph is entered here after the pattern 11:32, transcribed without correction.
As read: 10:09
